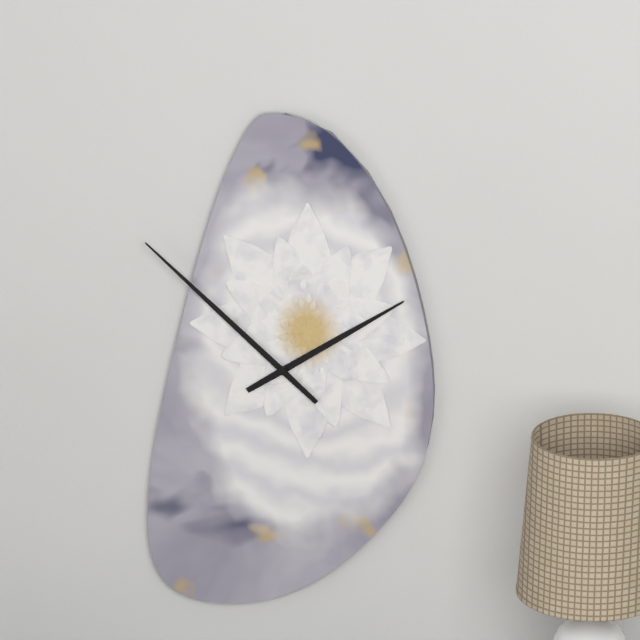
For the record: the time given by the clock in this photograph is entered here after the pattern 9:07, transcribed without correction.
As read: 1:52
